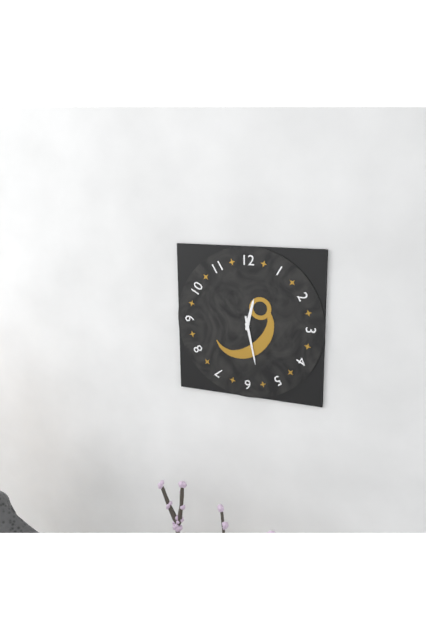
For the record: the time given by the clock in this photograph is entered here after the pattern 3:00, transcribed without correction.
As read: 12:28
